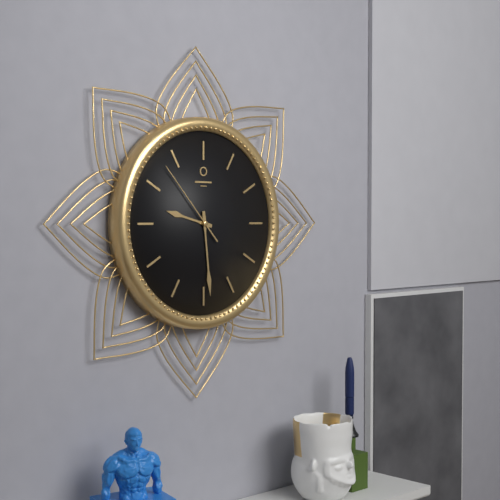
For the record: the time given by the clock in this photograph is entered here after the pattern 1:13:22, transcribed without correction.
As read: 9:29:53
